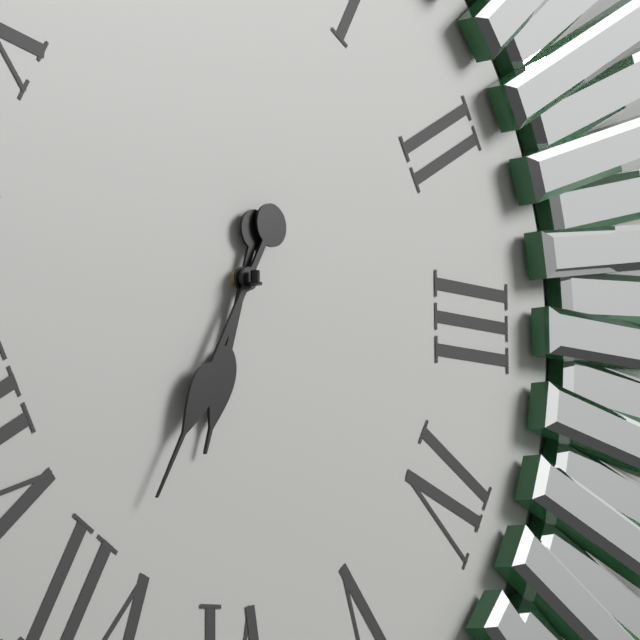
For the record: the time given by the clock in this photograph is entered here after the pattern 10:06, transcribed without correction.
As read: 6:35
